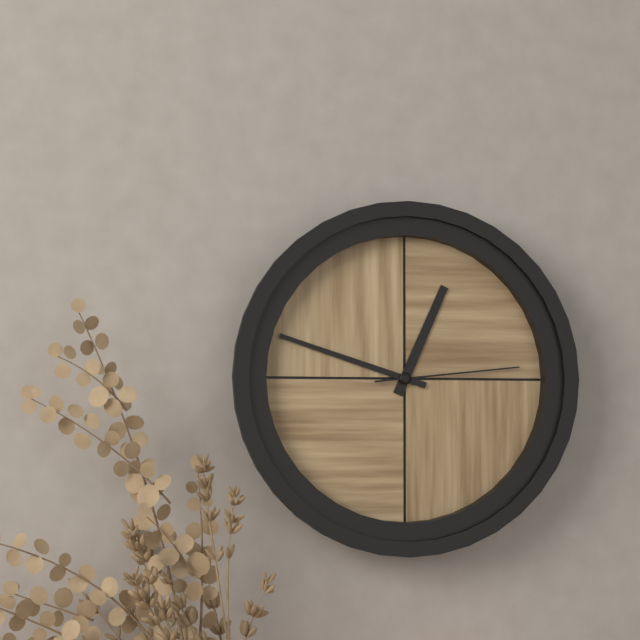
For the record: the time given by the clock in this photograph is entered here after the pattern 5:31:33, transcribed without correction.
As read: 12:48:14
